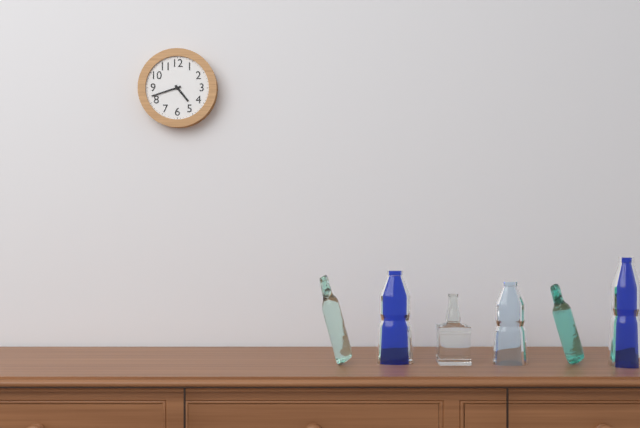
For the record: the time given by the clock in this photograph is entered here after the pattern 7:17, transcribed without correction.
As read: 4:42
